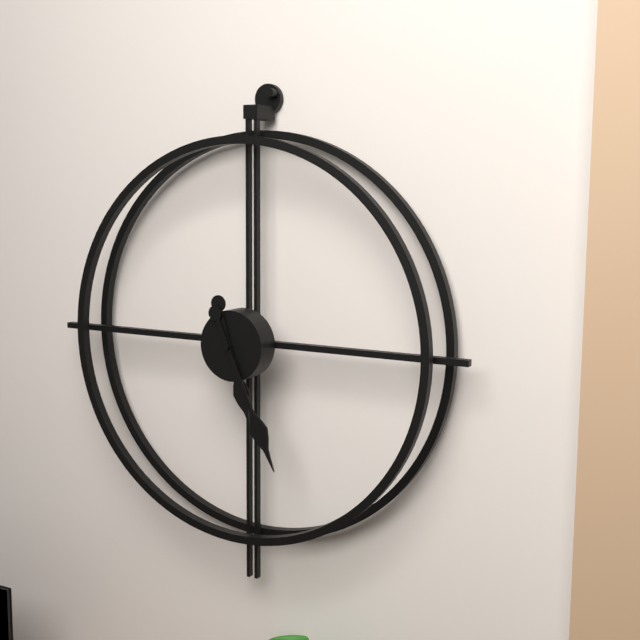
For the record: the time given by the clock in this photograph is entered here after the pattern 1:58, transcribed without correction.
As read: 5:26
